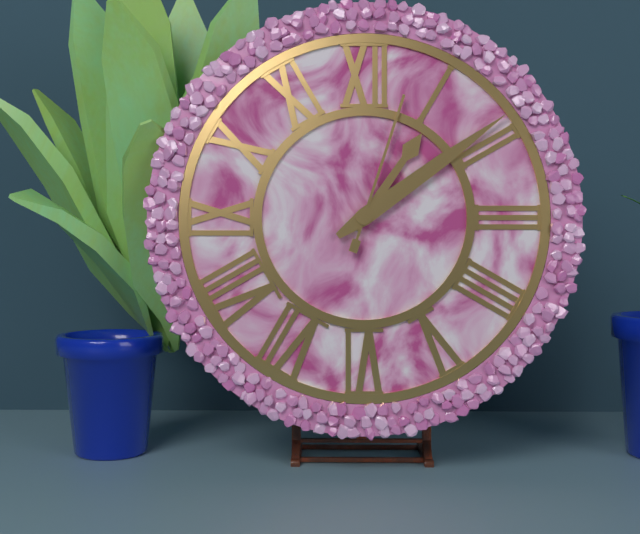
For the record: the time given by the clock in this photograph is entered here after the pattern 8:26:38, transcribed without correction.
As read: 1:09:03
